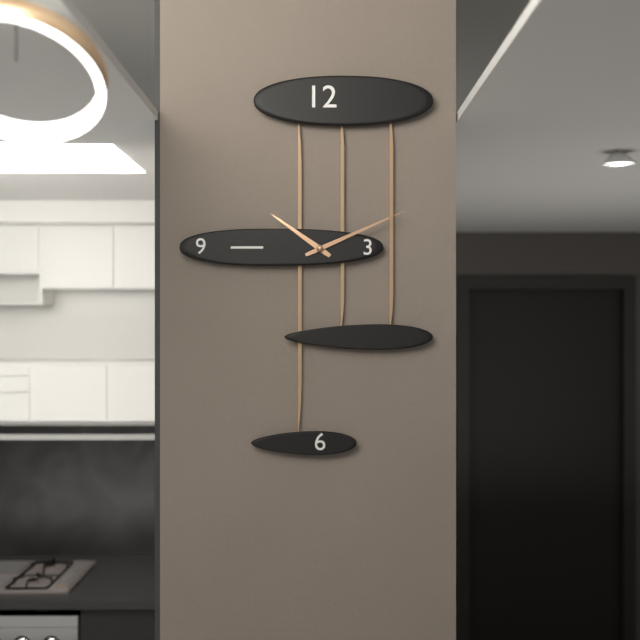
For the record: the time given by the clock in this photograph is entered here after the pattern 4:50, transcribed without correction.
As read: 10:11
